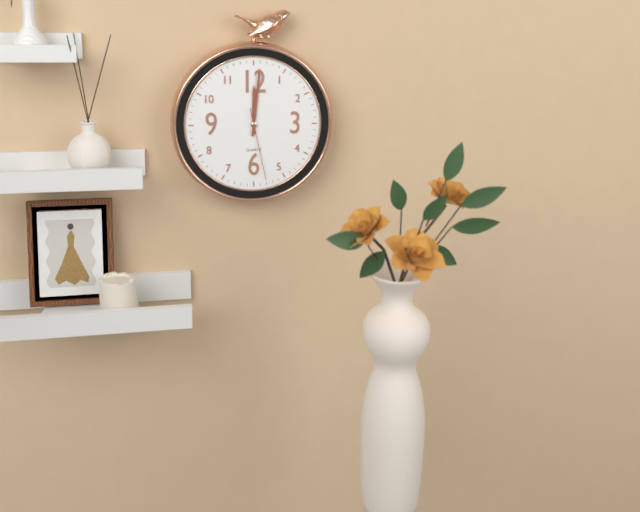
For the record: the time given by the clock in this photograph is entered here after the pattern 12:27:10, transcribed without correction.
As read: 12:01:28
